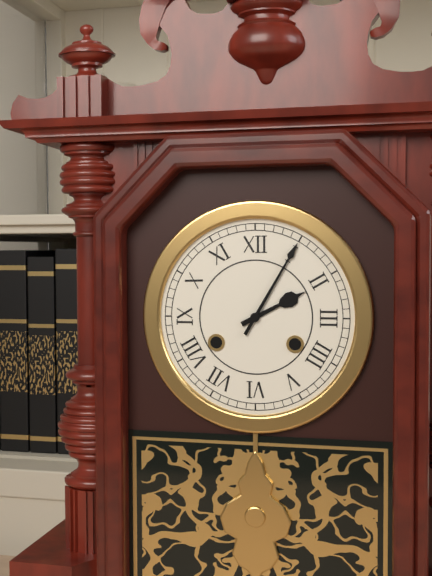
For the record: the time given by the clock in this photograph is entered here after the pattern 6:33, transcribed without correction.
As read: 2:05
